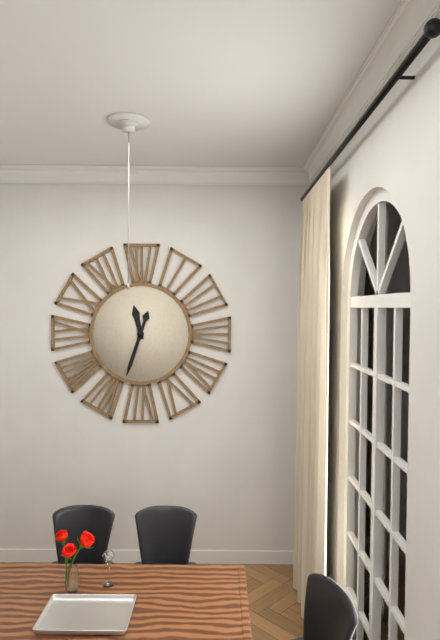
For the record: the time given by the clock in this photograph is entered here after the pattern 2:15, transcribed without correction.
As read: 11:33
